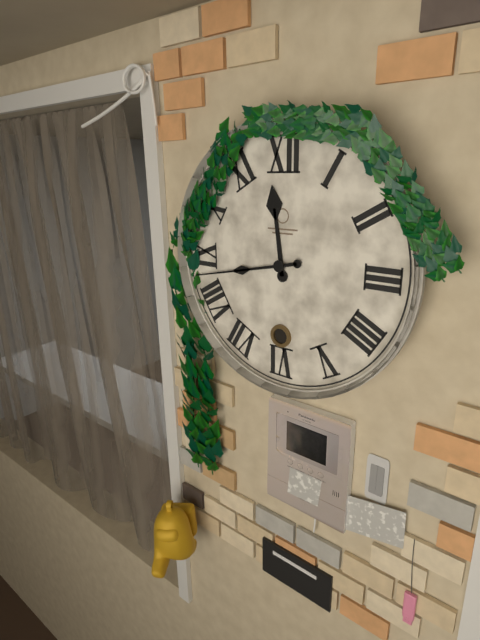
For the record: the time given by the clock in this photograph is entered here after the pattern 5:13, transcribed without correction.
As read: 11:43
